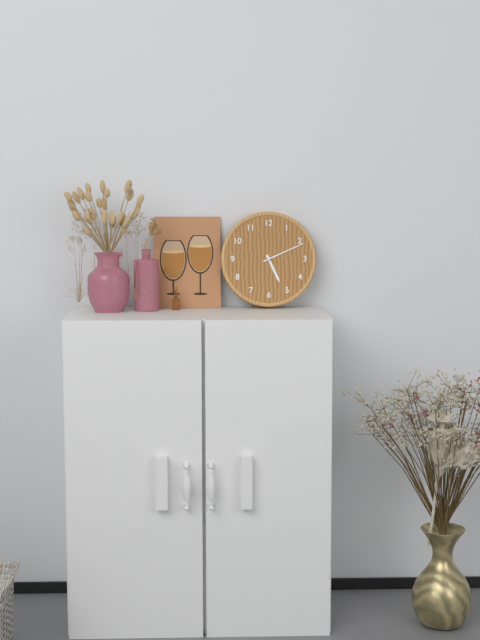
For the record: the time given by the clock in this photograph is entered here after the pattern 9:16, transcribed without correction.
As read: 5:11
